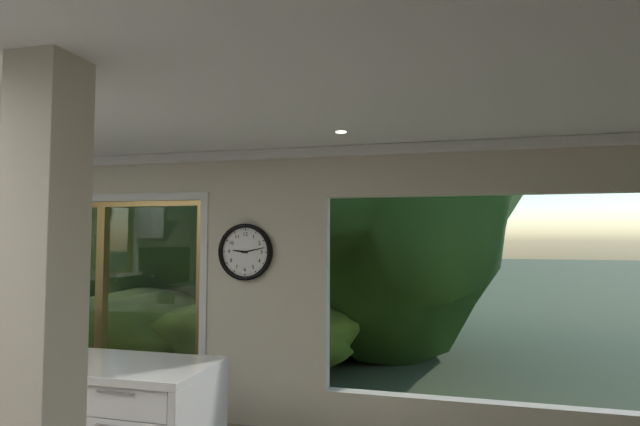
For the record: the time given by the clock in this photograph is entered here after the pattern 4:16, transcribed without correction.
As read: 9:13
